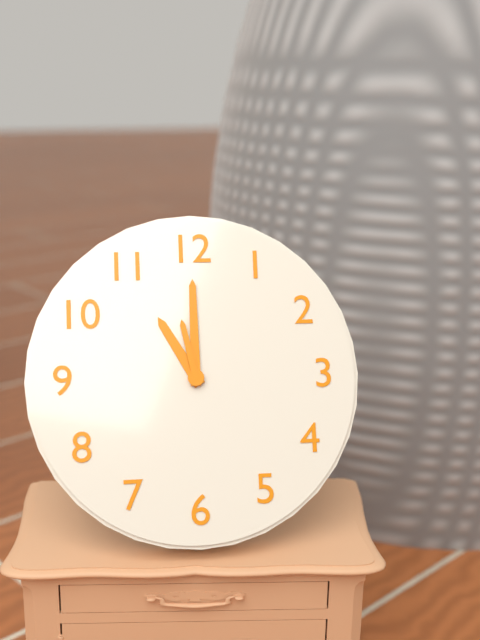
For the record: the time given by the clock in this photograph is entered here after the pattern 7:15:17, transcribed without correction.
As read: 11:00:58
